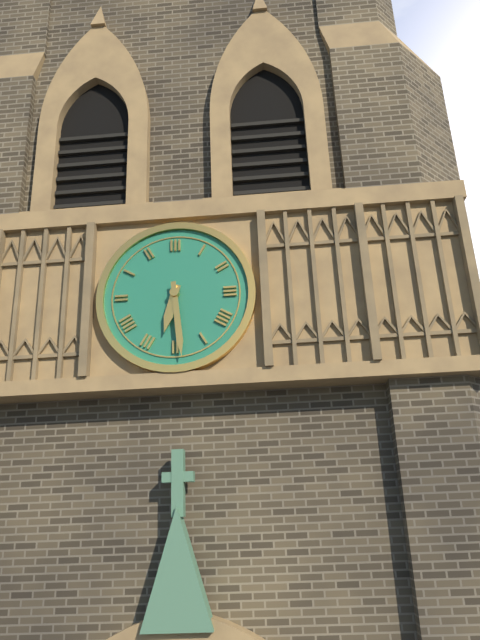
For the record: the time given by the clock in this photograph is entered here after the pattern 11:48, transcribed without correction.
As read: 6:29
